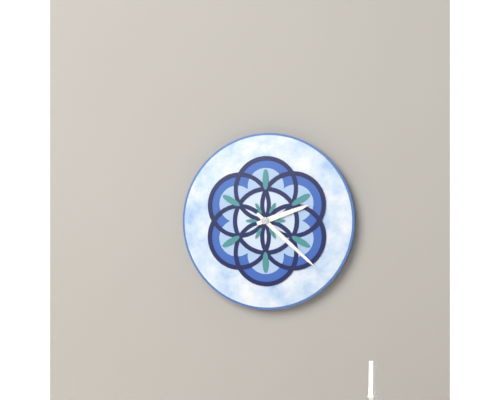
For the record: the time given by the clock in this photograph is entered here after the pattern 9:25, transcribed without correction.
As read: 2:22
